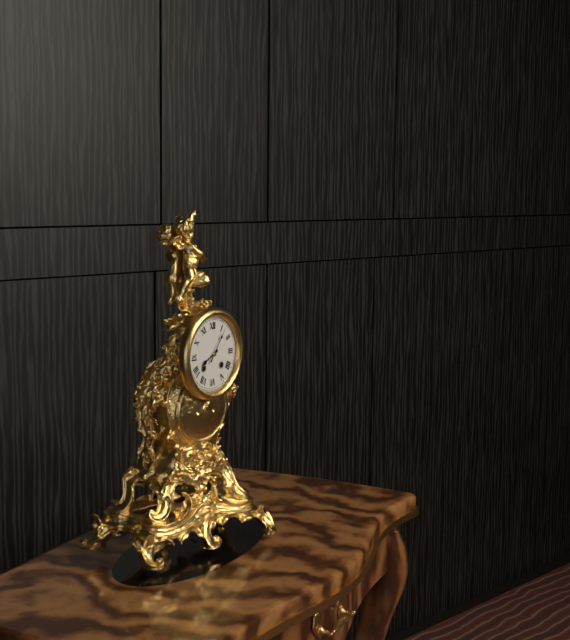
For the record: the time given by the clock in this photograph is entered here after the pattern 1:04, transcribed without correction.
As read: 8:06
